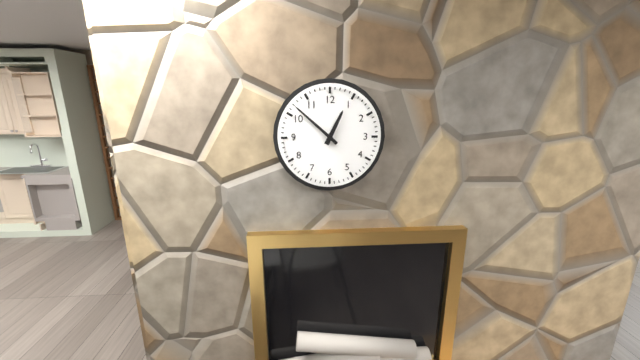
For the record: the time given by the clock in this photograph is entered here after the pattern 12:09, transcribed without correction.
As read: 12:52
